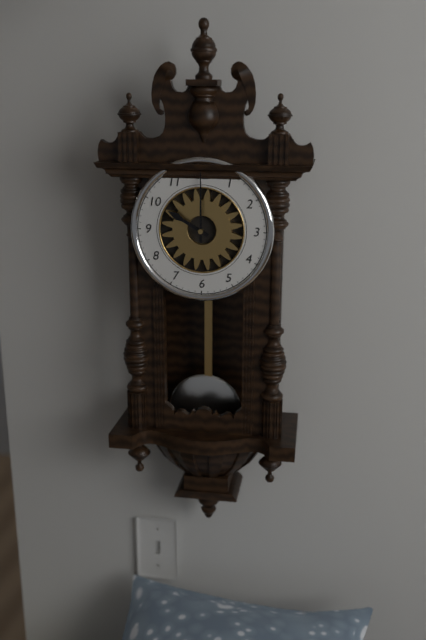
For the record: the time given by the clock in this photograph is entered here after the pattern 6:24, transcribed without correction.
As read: 10:00
